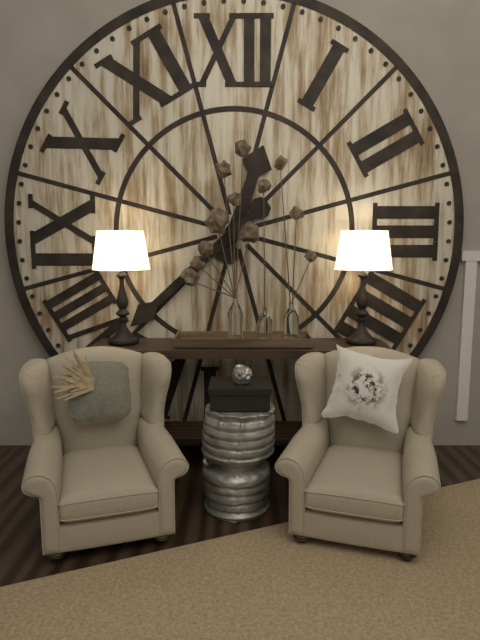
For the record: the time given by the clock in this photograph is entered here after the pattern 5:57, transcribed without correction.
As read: 12:38
